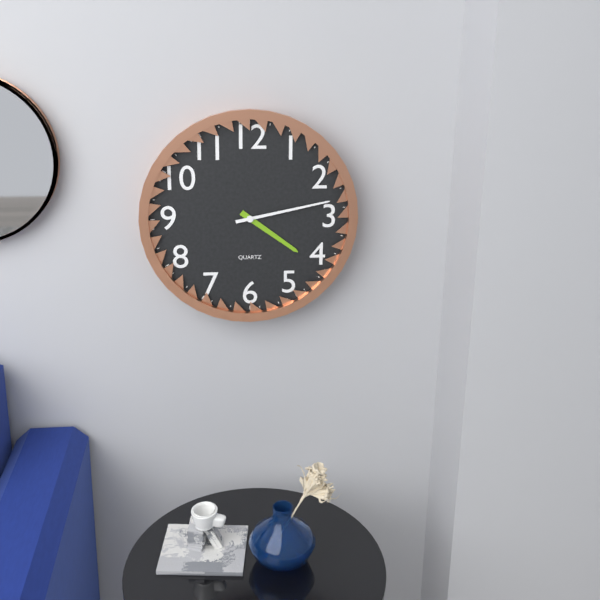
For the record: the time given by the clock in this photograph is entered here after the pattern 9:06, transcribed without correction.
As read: 4:13
